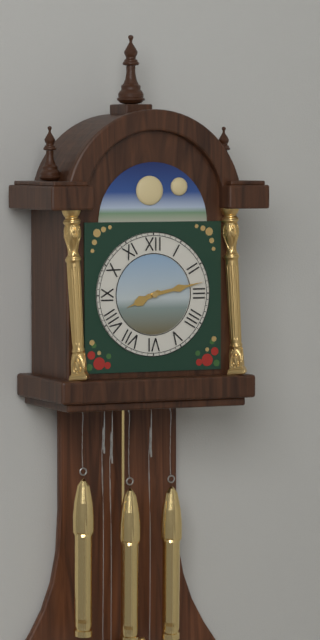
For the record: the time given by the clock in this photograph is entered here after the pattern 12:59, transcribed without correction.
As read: 8:13
